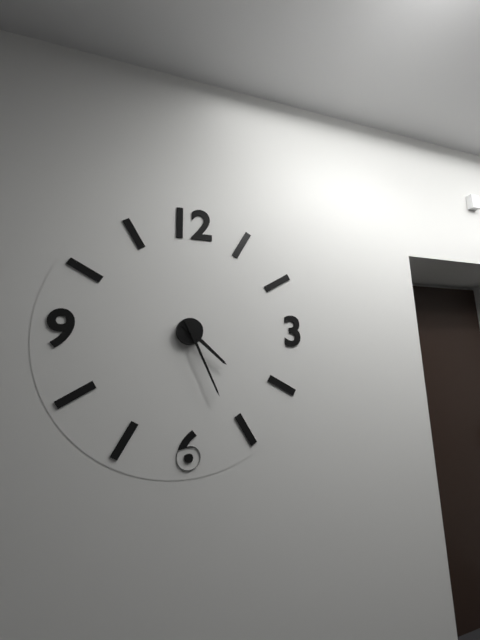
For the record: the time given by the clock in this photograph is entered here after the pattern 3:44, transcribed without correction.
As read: 4:26
